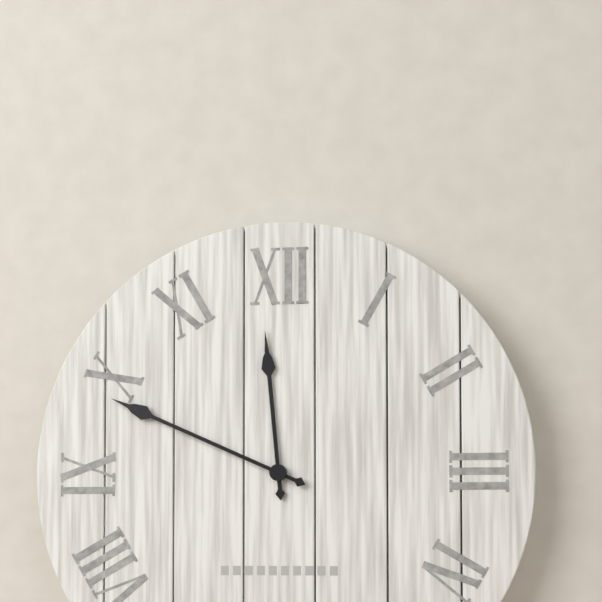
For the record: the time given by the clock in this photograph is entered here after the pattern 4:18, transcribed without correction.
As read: 11:49
